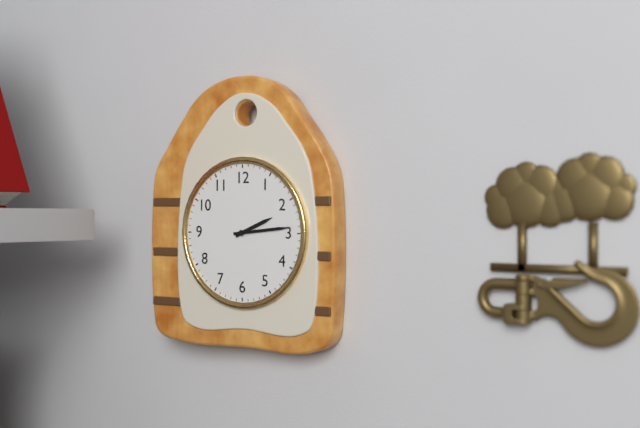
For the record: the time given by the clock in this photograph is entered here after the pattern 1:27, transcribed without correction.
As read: 2:14
